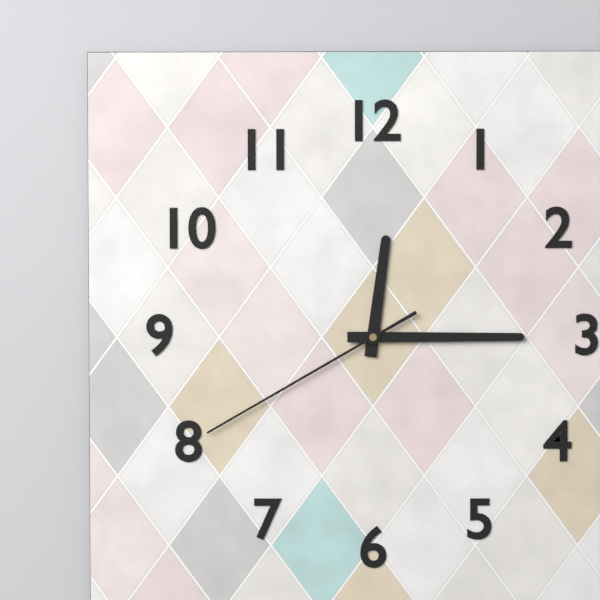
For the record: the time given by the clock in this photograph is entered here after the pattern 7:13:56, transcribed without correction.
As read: 12:15:40
